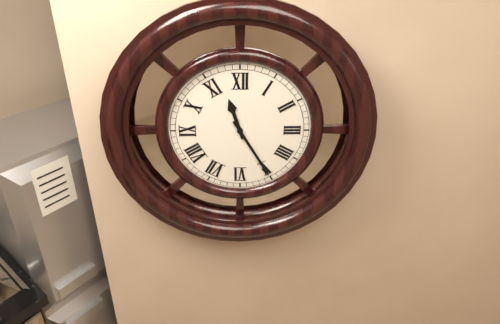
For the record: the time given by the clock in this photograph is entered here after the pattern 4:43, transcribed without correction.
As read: 11:25
